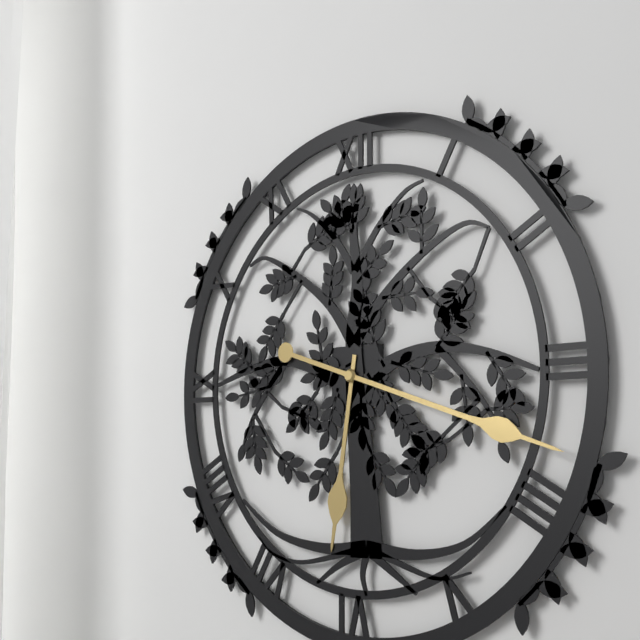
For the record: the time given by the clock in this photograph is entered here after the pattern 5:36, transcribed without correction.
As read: 6:18
